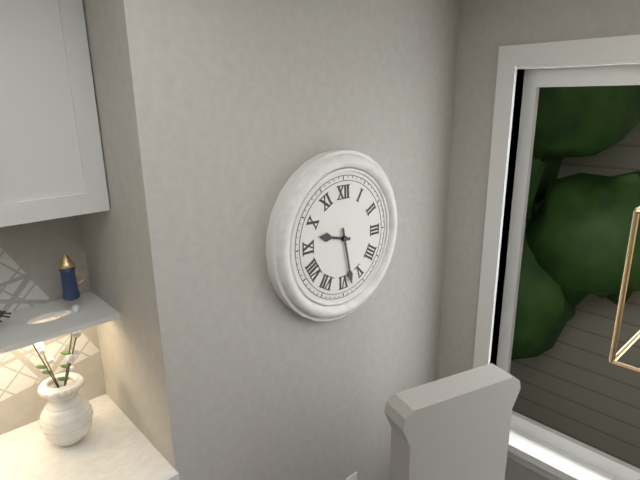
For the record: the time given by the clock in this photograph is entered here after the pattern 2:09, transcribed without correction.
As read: 9:28
